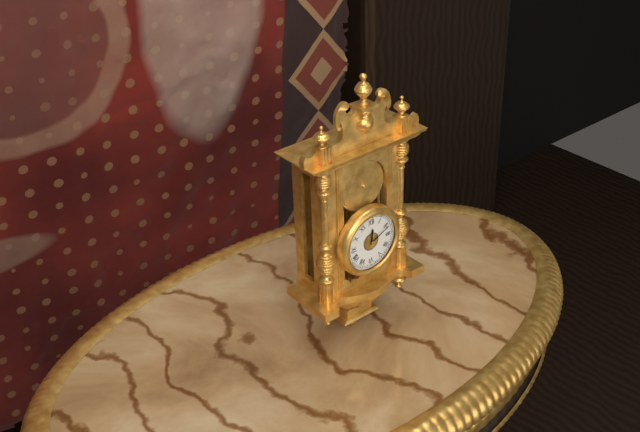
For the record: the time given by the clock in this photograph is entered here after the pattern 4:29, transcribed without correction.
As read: 12:11
